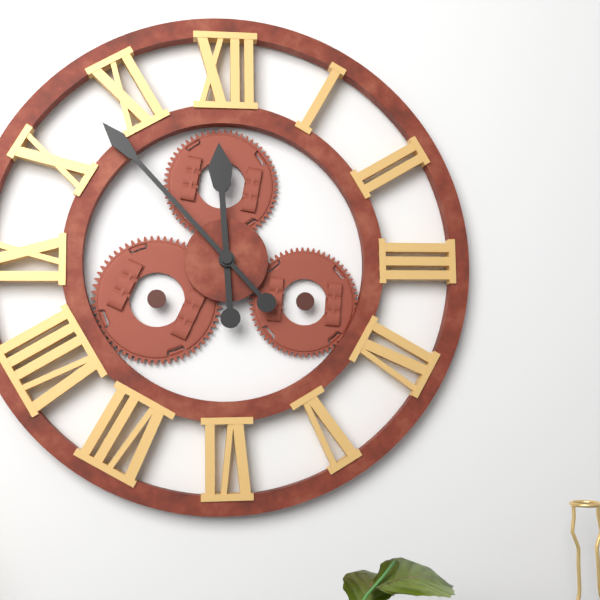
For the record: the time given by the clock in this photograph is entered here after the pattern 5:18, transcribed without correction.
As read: 11:53
